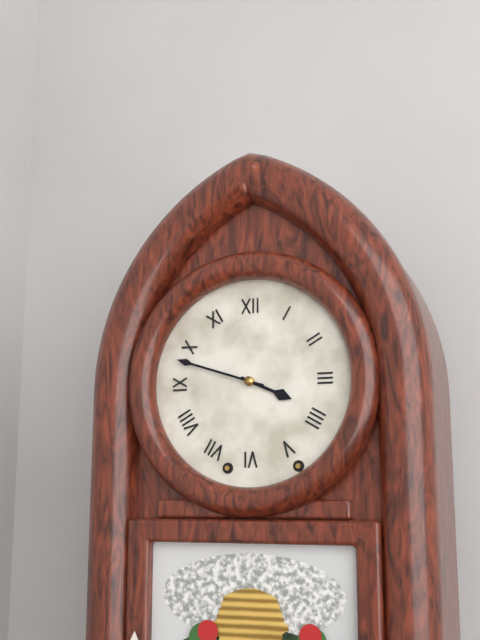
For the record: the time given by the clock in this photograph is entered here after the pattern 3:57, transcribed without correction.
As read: 3:48
